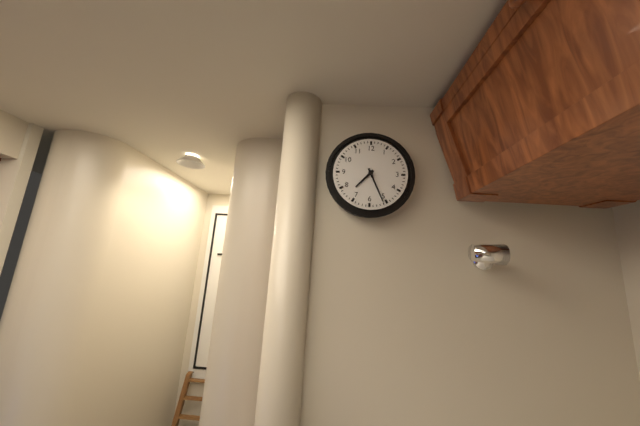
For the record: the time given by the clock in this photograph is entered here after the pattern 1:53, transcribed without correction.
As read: 7:26
